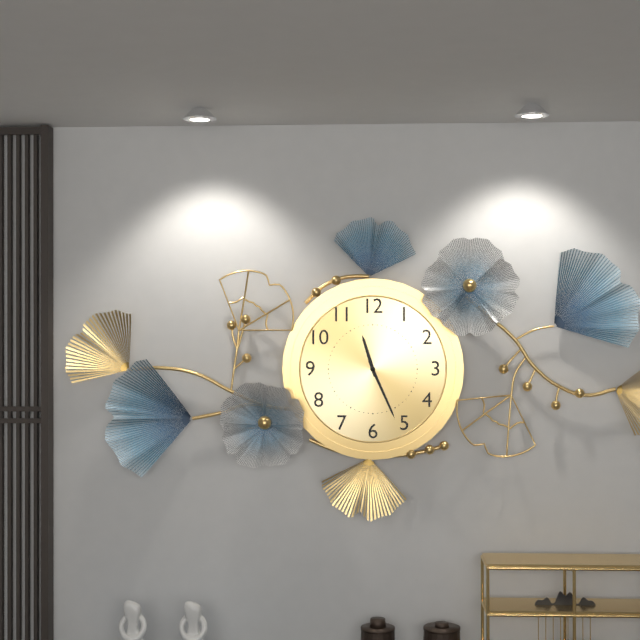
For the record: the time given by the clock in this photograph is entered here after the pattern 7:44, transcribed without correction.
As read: 11:26
